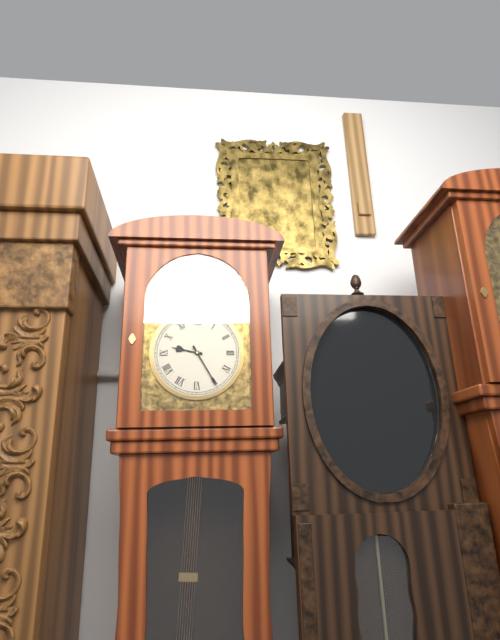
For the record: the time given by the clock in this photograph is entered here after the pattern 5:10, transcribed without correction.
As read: 9:25
